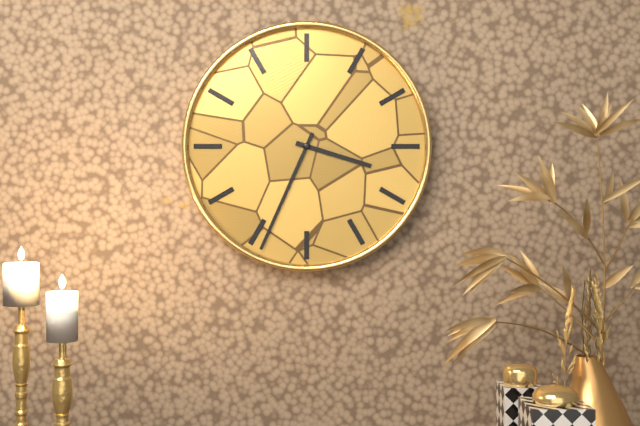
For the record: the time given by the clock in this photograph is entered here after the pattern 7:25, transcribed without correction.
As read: 3:34
